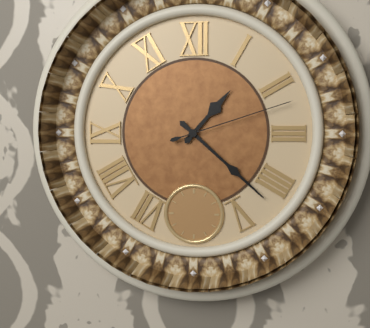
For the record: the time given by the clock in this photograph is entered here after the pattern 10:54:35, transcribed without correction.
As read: 1:22:12
